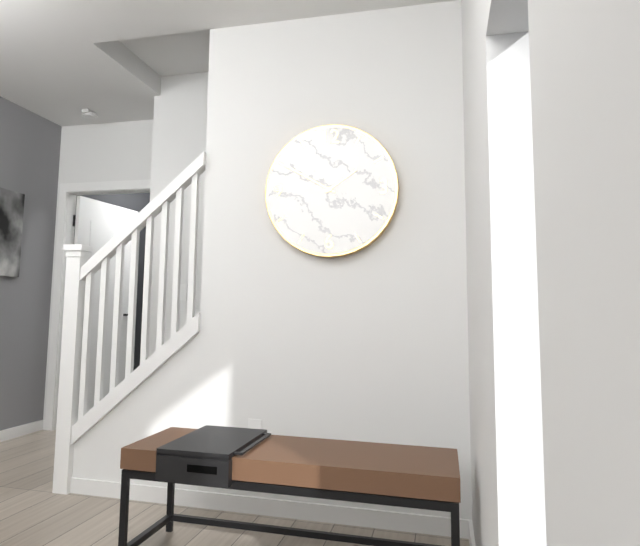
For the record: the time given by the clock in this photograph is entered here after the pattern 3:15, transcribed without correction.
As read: 1:50
